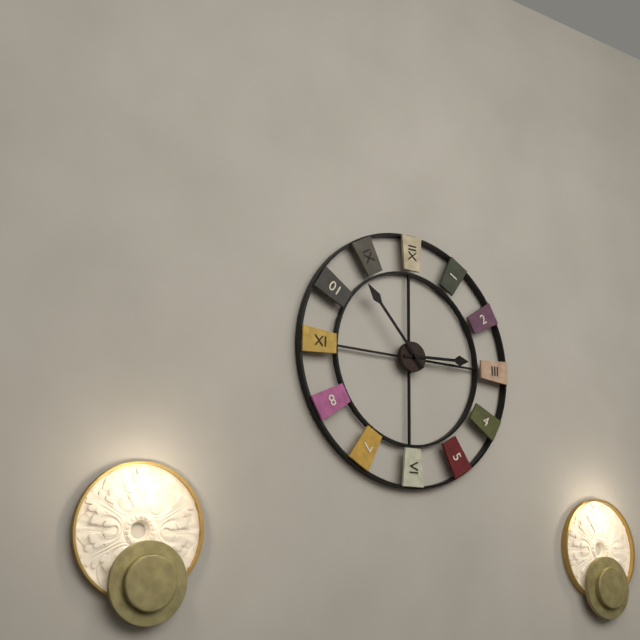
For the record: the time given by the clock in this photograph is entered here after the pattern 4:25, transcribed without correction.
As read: 2:53
